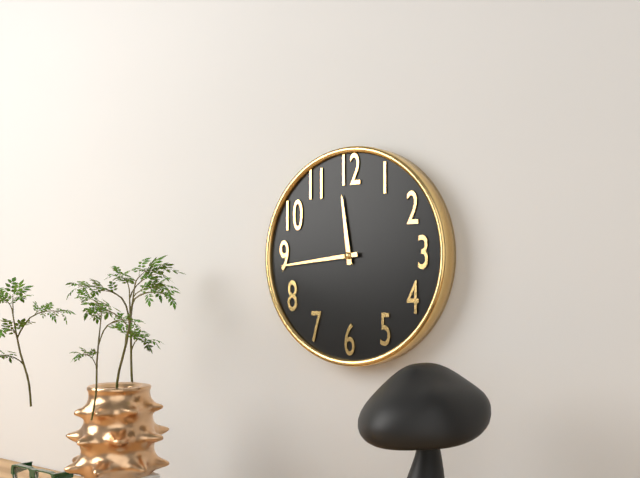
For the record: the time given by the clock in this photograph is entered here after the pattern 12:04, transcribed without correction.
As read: 11:44
